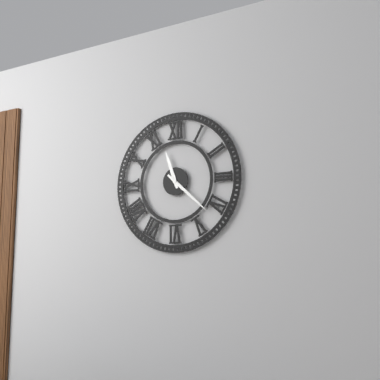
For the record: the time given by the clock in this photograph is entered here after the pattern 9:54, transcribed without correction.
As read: 11:22
